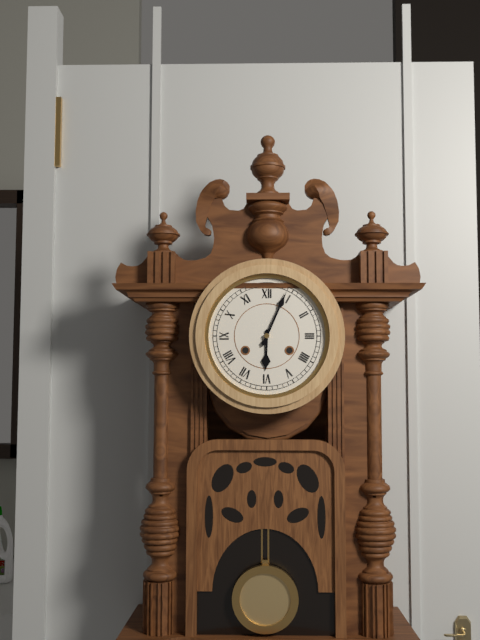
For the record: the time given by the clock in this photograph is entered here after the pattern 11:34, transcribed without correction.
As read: 6:04
